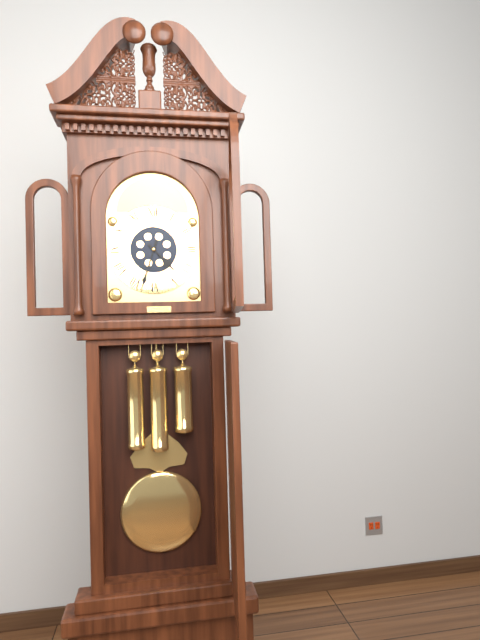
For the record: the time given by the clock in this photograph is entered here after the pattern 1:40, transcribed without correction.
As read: 4:33
